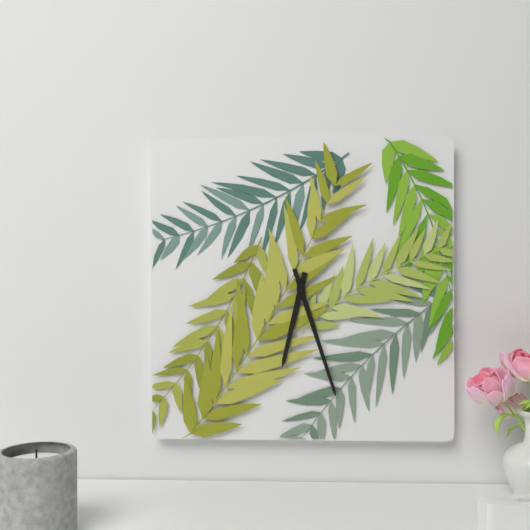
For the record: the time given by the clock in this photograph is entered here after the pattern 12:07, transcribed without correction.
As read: 6:27
